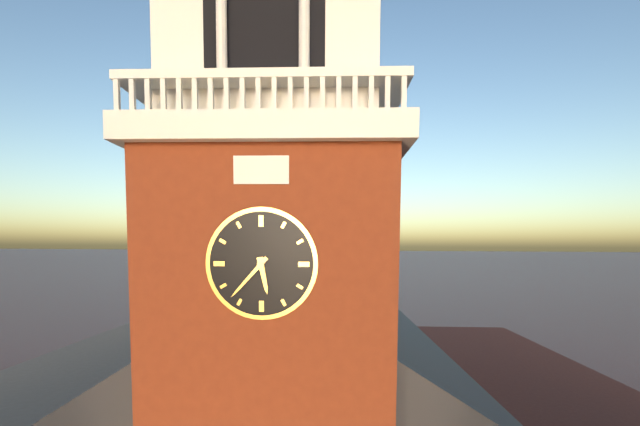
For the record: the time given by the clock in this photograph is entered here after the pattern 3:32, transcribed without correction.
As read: 5:37
